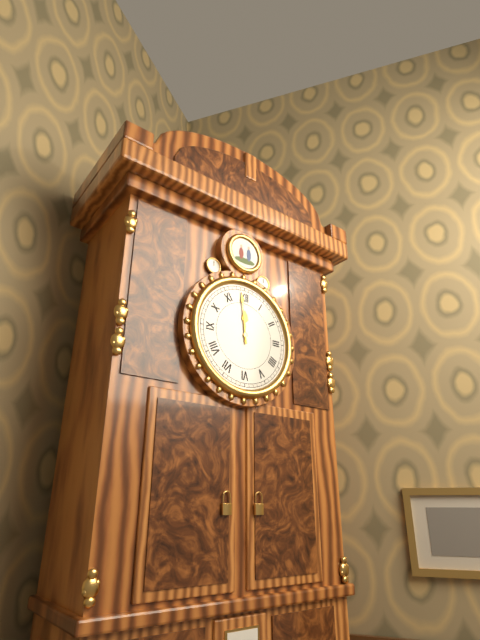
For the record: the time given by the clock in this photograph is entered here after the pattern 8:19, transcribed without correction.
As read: 11:59
